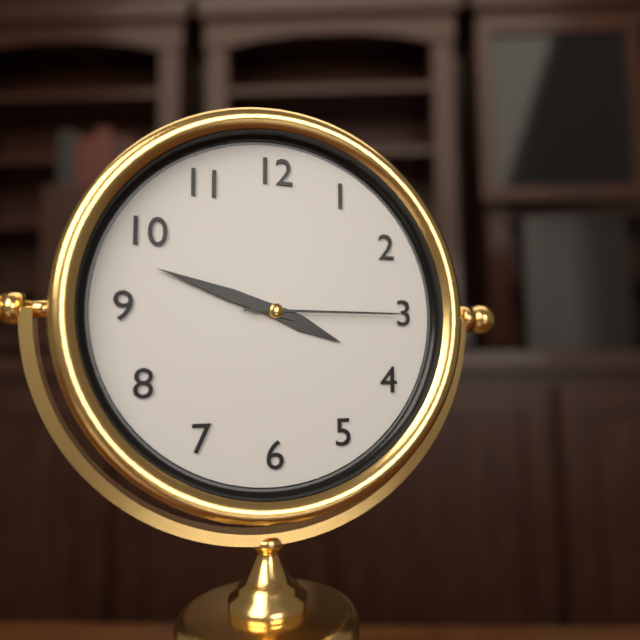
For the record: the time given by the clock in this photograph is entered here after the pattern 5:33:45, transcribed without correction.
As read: 3:48:15
